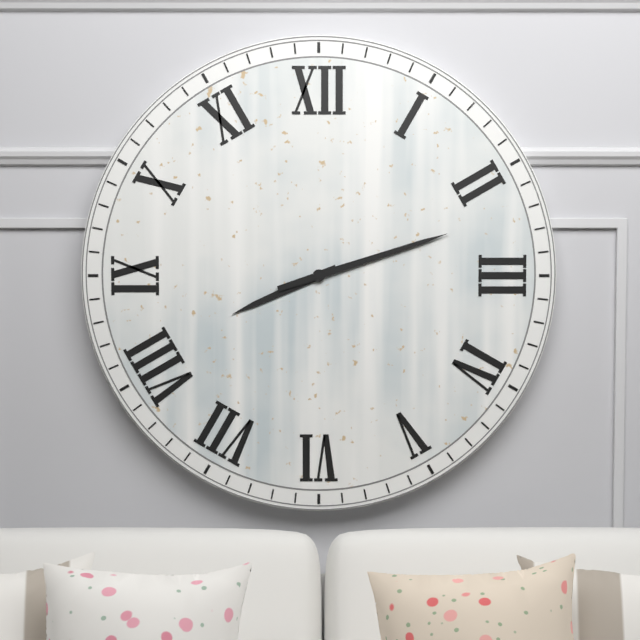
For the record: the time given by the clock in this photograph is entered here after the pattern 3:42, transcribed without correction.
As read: 8:12
